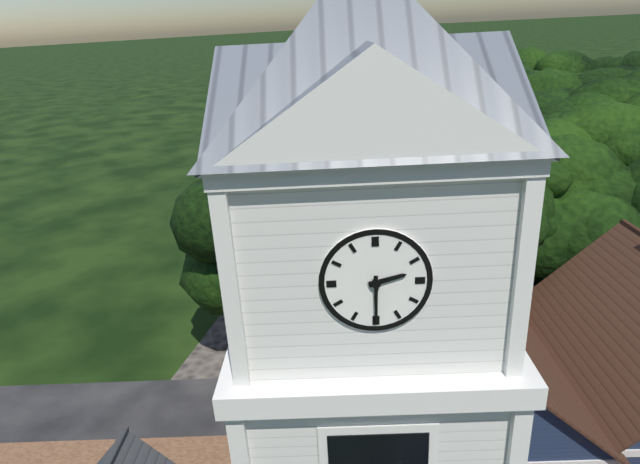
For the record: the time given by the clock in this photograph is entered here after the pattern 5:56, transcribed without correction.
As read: 2:30
